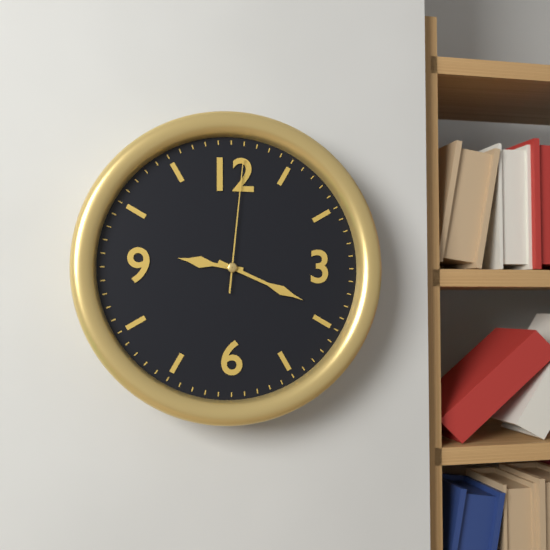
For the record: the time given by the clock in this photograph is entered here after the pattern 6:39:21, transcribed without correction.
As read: 9:19:01
